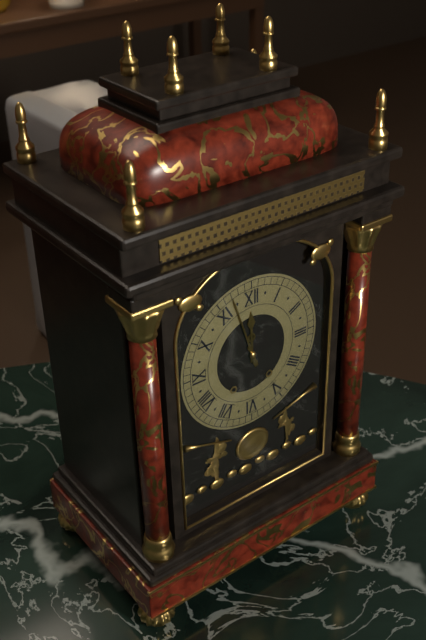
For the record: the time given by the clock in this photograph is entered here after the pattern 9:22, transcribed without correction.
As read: 11:57
